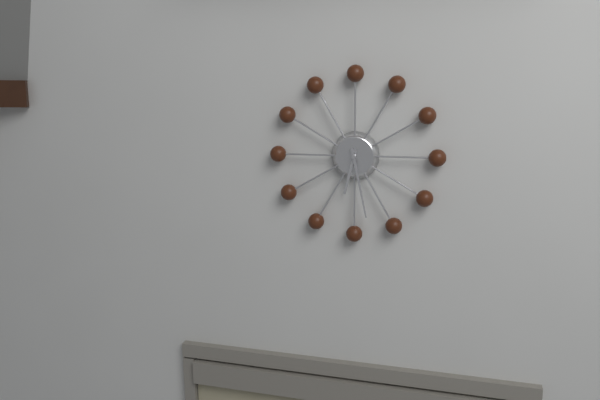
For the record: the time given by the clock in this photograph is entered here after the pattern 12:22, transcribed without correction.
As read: 6:28
